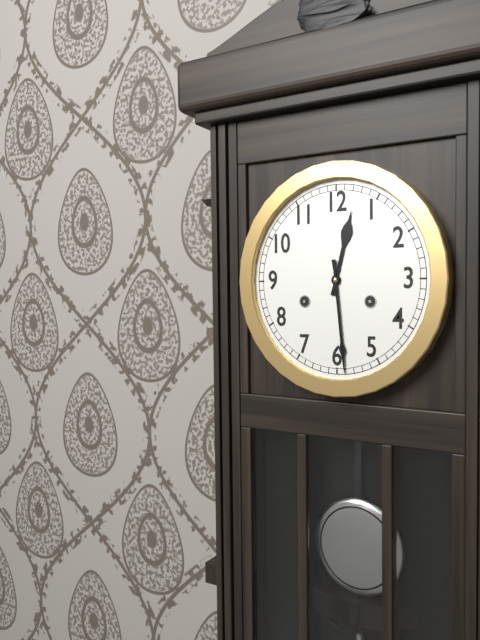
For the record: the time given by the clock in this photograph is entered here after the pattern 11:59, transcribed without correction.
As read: 12:29
